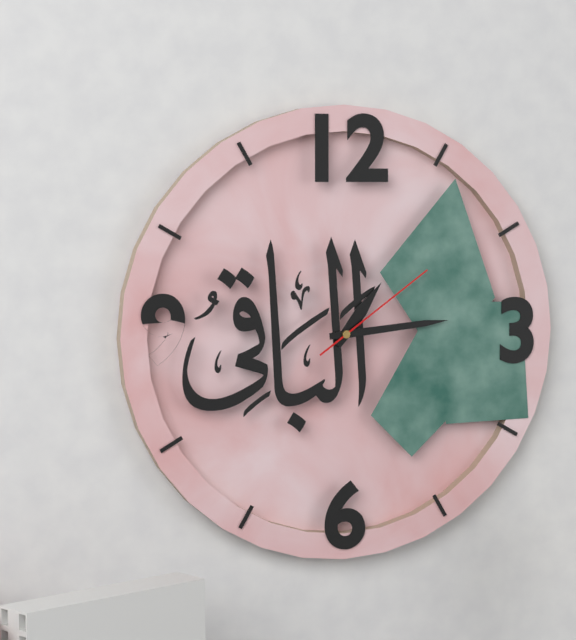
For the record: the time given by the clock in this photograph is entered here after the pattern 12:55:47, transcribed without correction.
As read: 1:14:09
